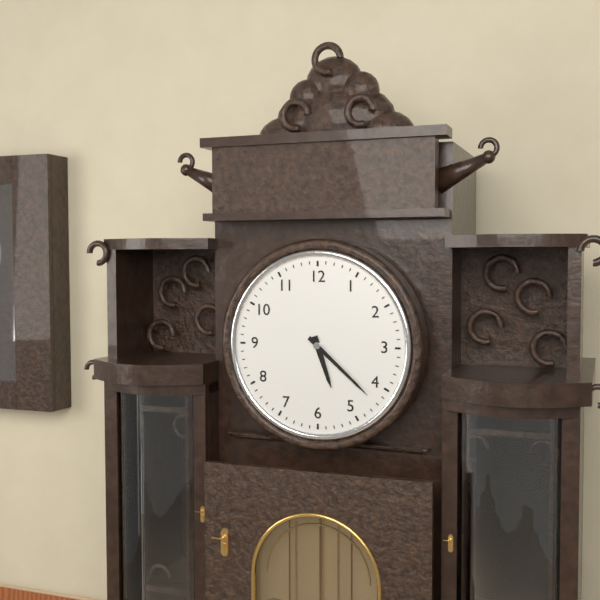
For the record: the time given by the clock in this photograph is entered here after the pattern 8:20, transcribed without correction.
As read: 5:22
